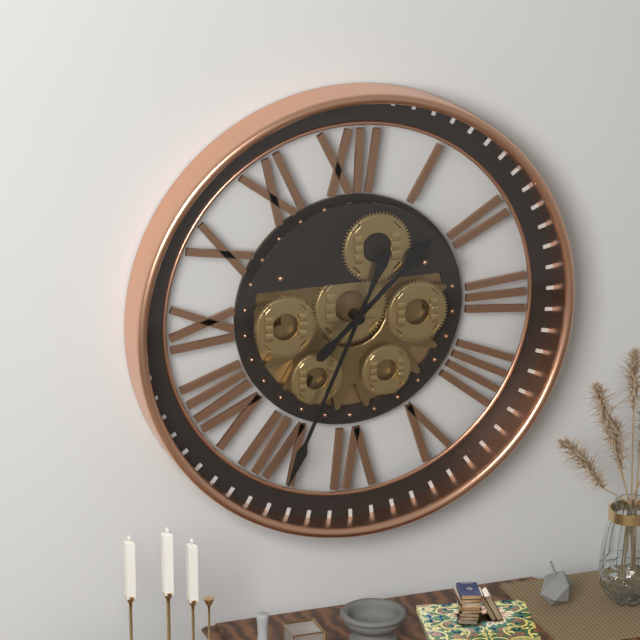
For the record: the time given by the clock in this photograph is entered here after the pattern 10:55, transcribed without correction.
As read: 1:34
